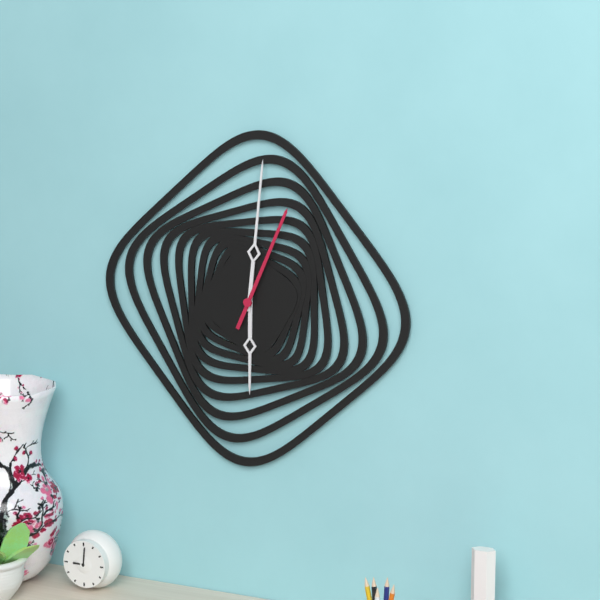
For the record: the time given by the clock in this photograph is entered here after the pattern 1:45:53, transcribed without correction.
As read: 6:01:04
